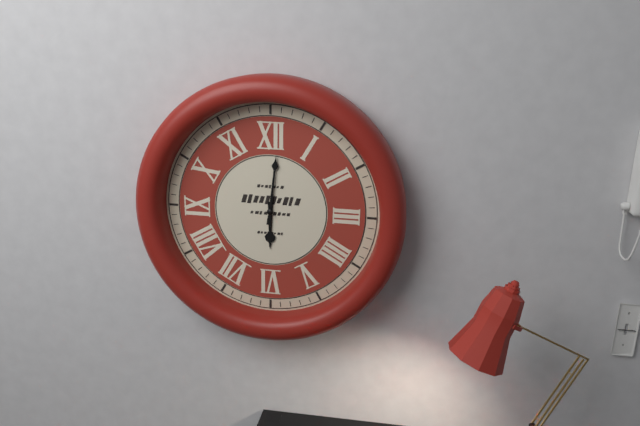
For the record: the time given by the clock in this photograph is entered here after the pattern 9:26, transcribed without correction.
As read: 6:01
